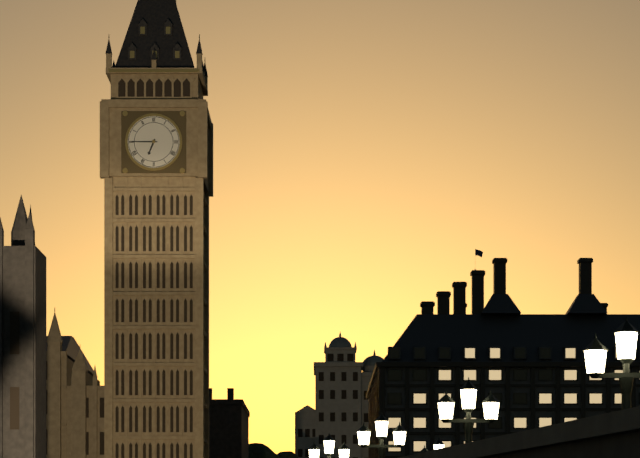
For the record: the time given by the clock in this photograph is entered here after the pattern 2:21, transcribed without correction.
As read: 6:45
